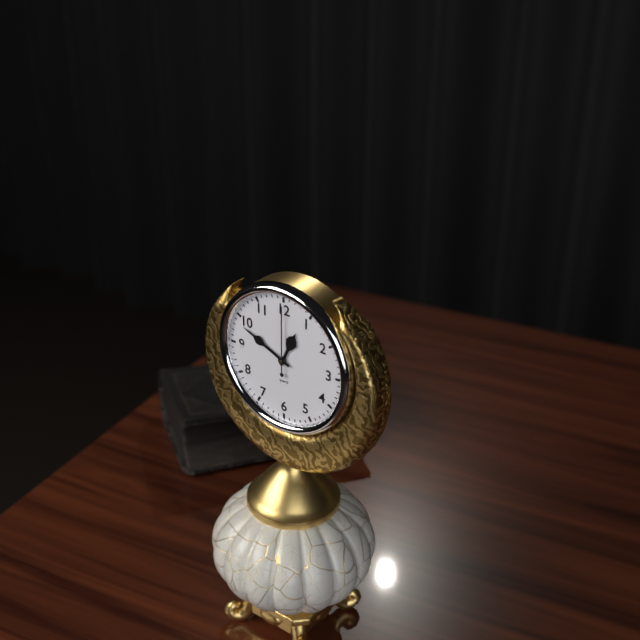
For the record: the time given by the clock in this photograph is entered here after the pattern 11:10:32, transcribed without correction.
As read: 12:49:00
